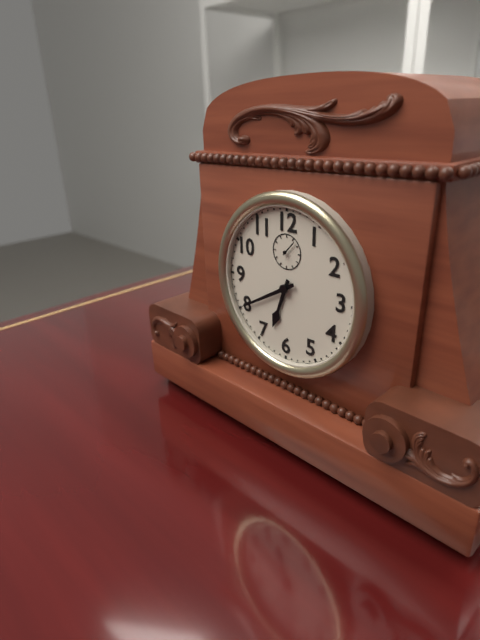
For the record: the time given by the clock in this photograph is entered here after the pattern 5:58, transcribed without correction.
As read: 6:40
